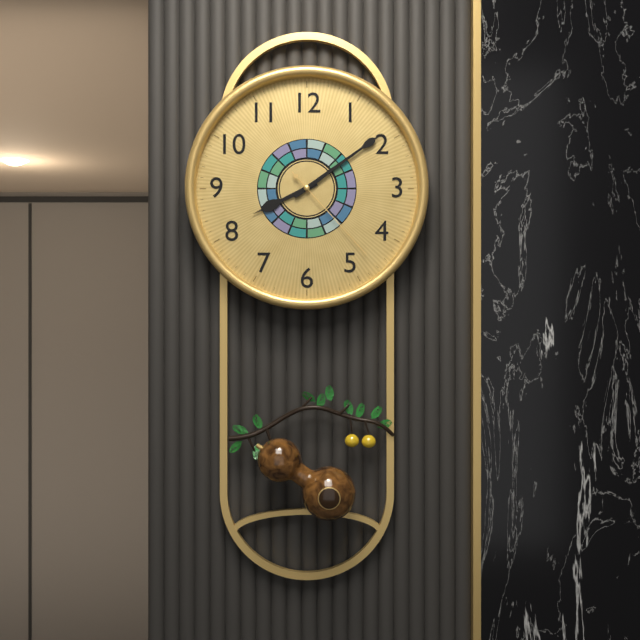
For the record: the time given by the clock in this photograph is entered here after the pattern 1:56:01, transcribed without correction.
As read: 8:09:23
